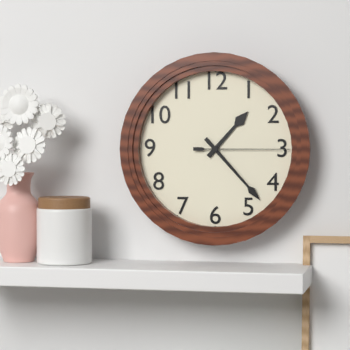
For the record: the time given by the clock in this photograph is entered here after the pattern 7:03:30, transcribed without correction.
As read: 1:23:15
